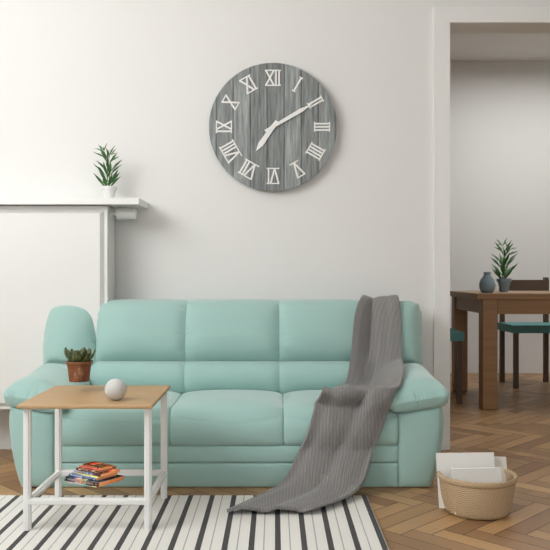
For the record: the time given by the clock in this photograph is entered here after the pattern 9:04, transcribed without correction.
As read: 7:10
